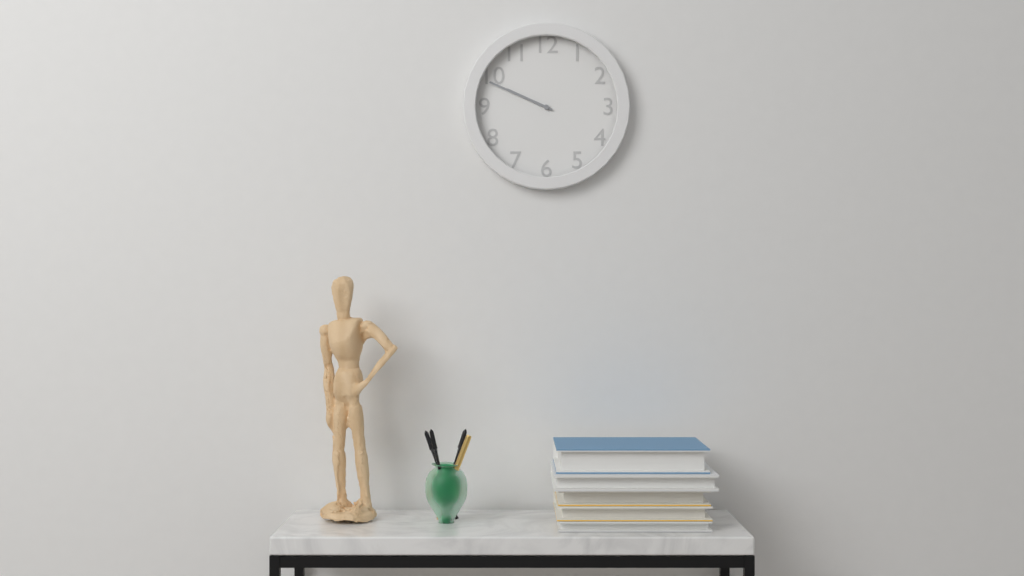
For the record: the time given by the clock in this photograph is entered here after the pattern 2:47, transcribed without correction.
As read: 9:49
